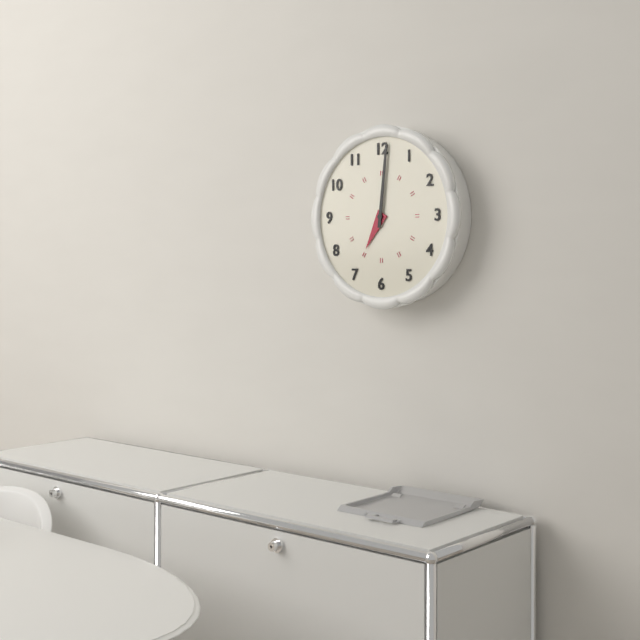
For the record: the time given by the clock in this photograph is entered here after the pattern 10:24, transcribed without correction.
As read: 7:01
